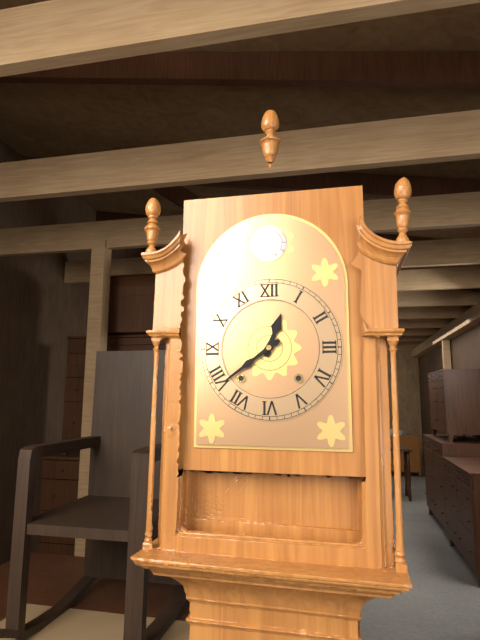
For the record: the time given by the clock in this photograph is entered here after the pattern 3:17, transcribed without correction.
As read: 12:39
